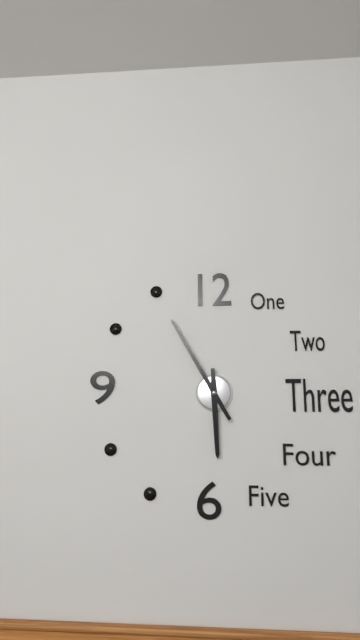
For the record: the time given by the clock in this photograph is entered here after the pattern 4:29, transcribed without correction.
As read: 5:55
